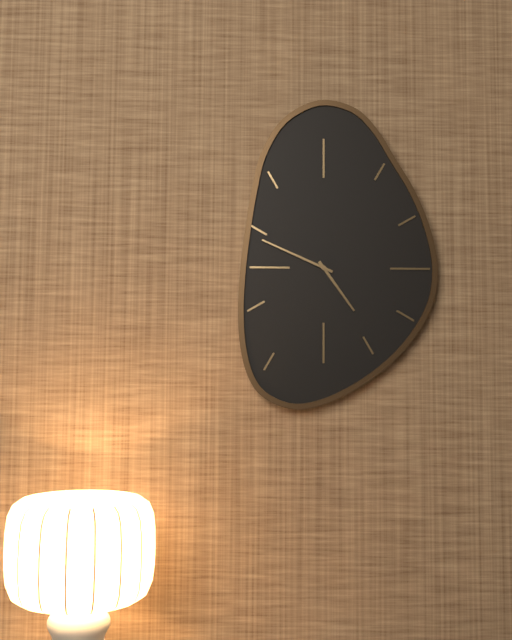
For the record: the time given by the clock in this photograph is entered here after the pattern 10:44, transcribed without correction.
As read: 4:49
